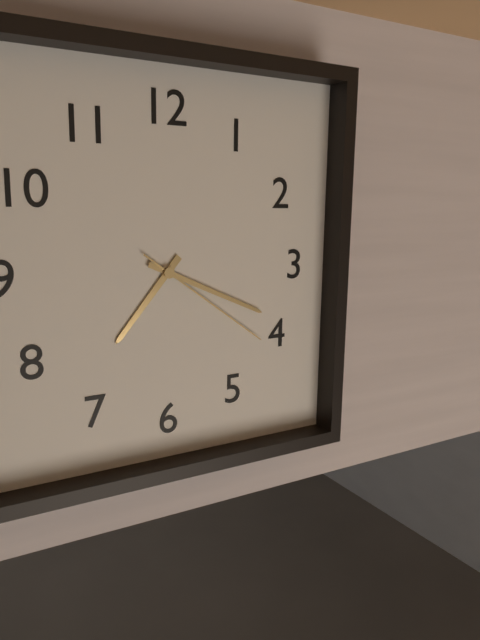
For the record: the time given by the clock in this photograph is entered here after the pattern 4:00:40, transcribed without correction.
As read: 7:19:21
